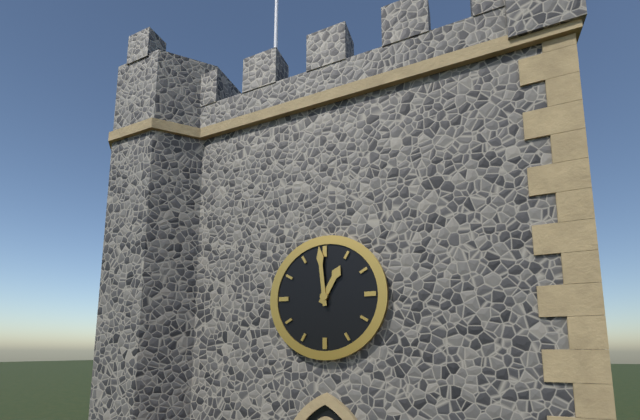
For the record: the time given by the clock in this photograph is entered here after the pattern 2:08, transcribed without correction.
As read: 12:59
